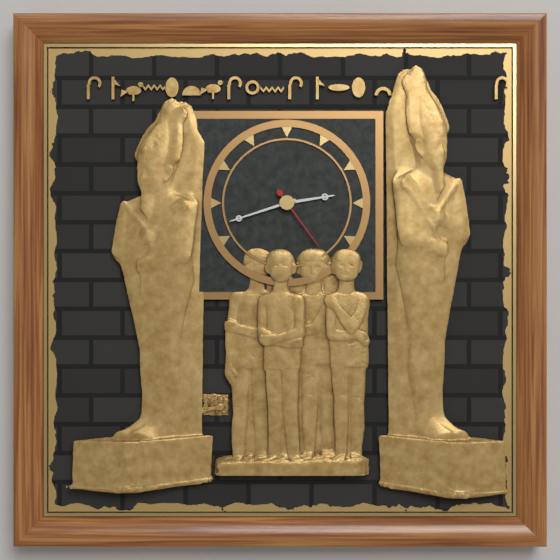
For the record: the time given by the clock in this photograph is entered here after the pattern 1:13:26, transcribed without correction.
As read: 2:42:24
